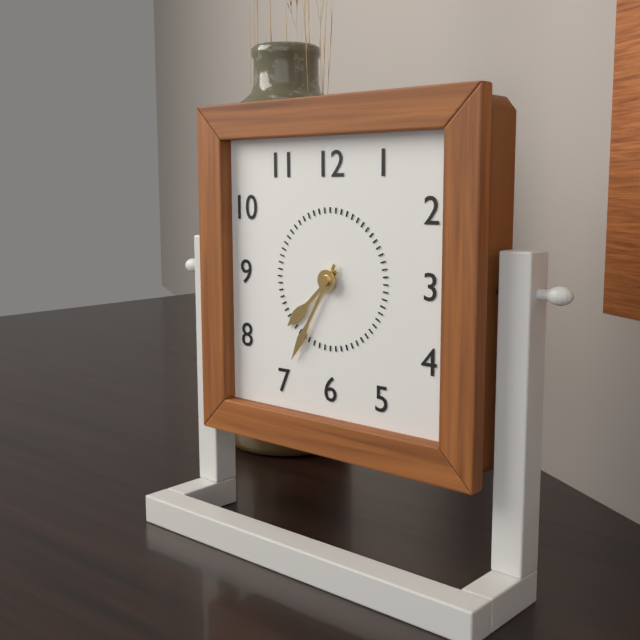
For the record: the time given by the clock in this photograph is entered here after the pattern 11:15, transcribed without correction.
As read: 7:35
